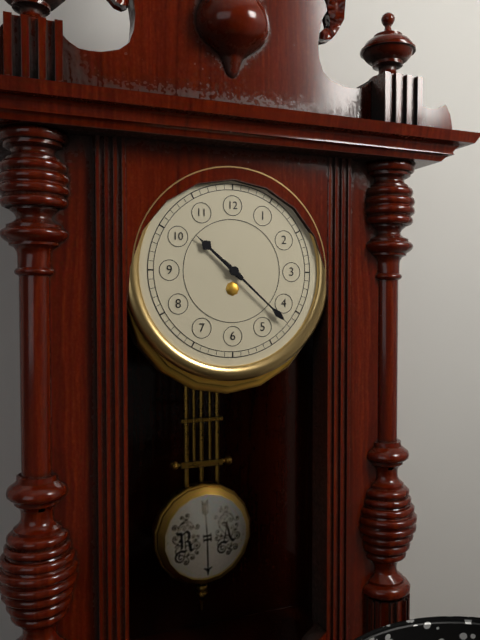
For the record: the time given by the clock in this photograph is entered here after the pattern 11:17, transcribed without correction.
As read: 10:22
